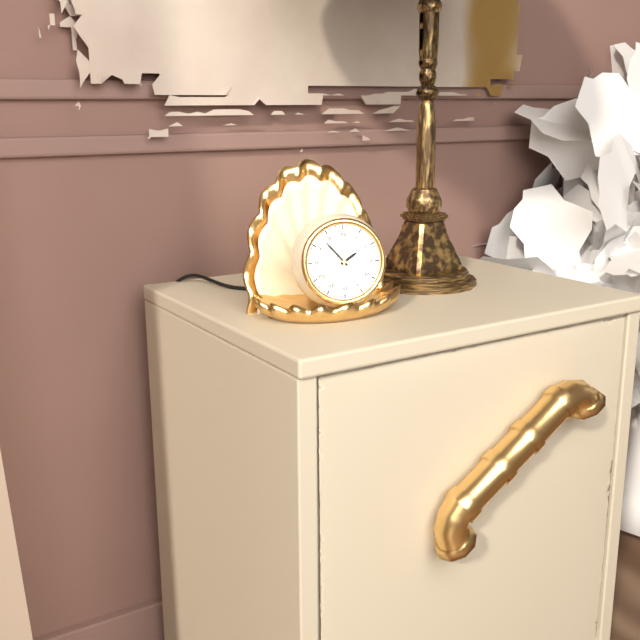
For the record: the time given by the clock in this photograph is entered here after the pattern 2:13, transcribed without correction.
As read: 1:53
